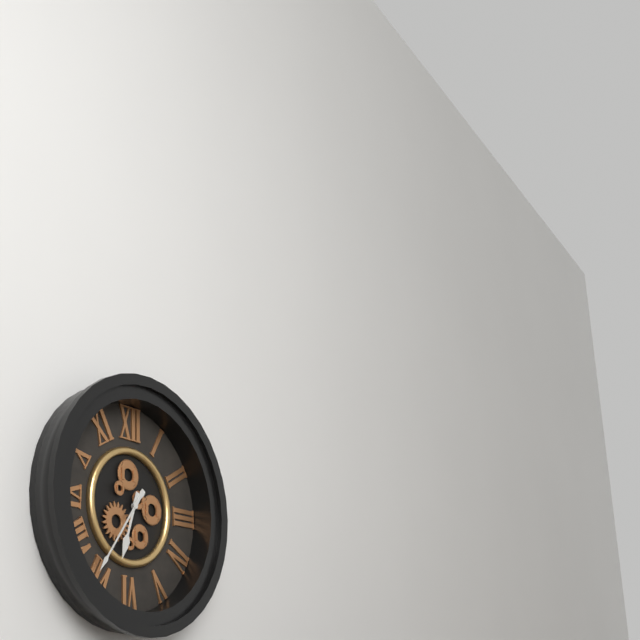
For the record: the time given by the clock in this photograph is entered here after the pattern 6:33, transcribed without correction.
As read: 6:36
